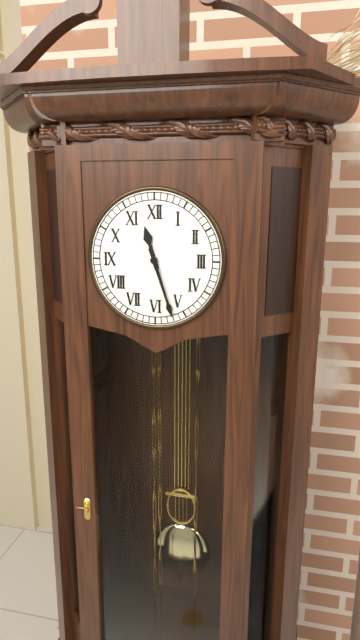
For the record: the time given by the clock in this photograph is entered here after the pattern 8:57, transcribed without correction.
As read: 11:27
